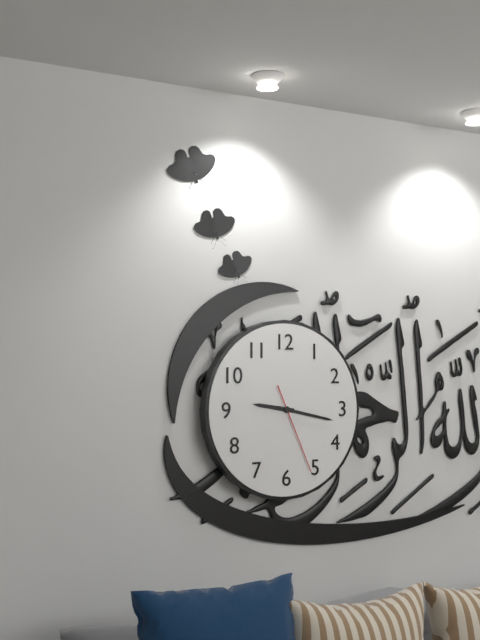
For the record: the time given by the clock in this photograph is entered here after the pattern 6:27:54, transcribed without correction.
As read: 9:17:26
